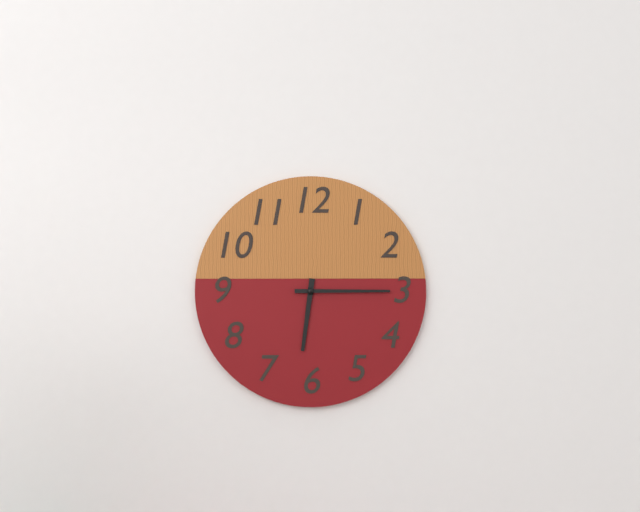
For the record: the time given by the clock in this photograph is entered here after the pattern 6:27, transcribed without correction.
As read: 6:15
